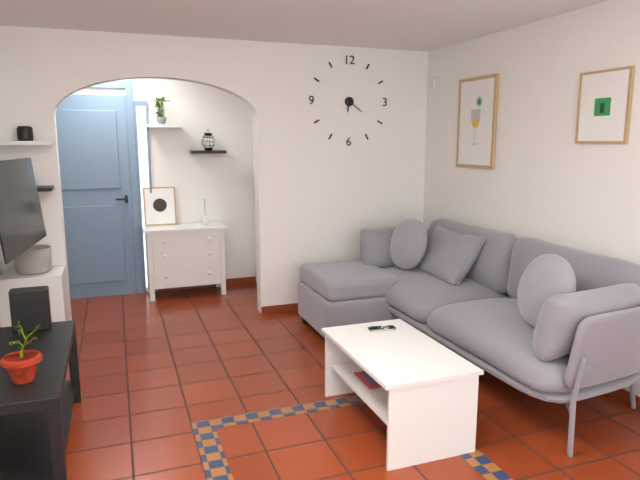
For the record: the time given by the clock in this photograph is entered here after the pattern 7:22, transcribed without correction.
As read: 6:21
